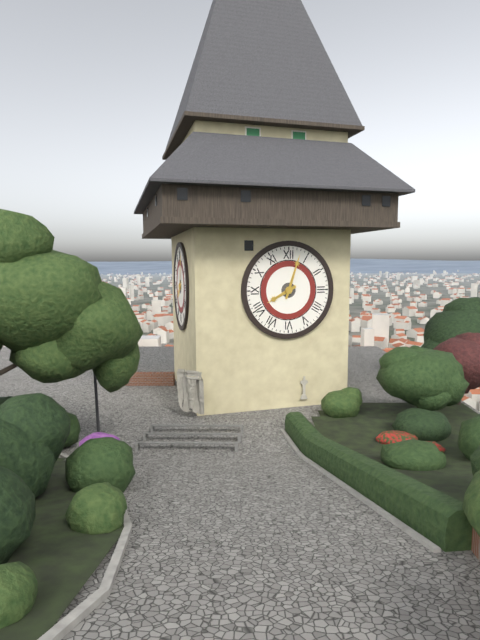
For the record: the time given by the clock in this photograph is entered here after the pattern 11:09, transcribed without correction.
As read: 8:03
